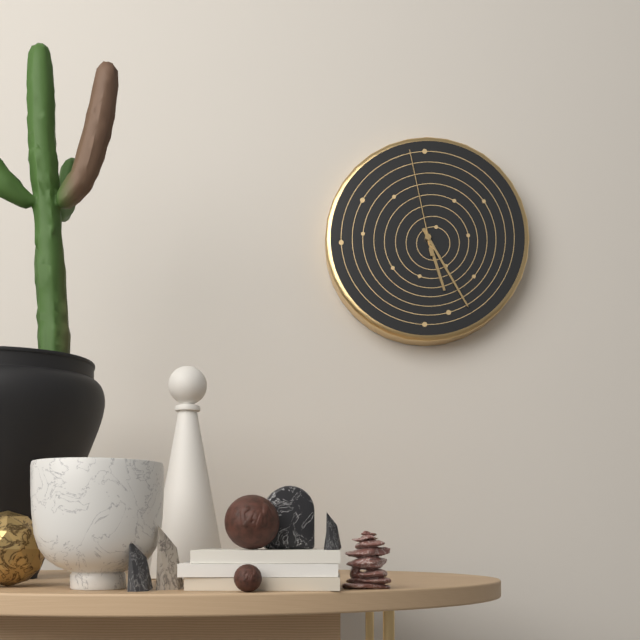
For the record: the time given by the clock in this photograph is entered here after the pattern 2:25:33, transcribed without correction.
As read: 5:25:58
